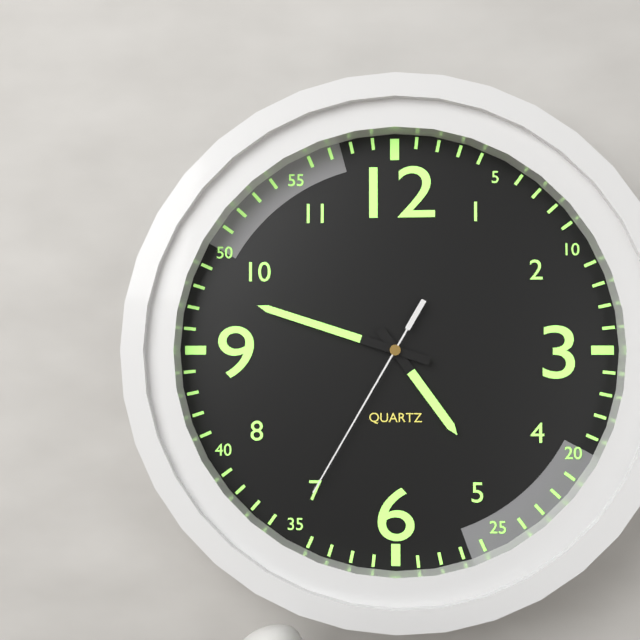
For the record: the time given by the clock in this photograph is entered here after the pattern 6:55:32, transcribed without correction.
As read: 4:48:35
